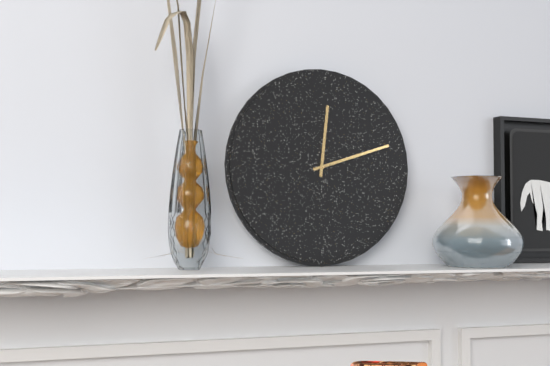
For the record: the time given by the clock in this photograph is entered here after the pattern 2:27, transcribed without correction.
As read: 12:12
